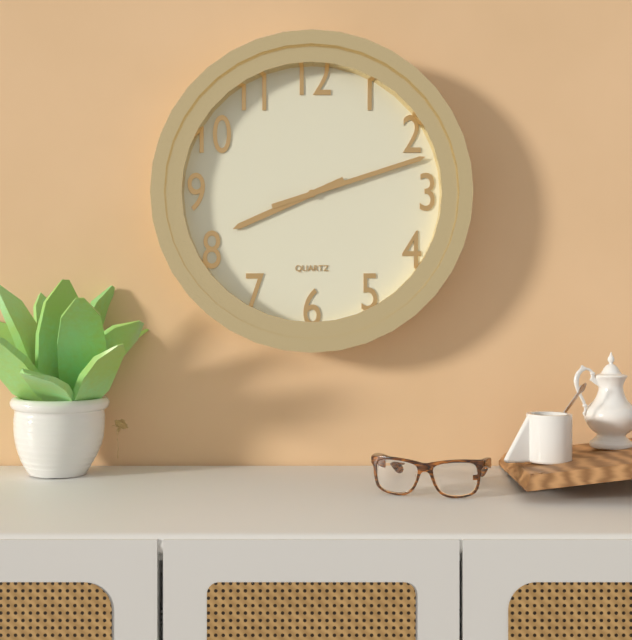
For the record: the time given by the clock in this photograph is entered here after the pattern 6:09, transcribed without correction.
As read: 8:12
